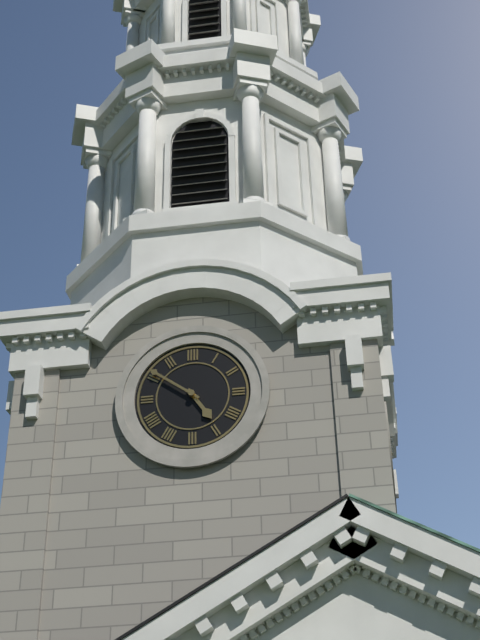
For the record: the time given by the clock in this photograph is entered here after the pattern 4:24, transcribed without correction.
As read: 4:51
